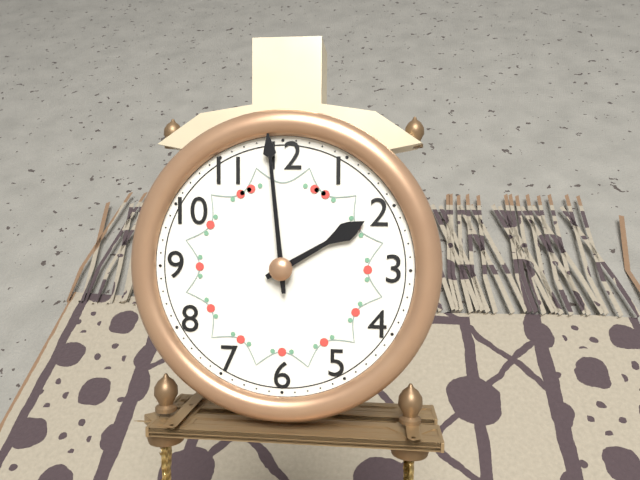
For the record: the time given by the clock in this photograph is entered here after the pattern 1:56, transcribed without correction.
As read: 1:59
